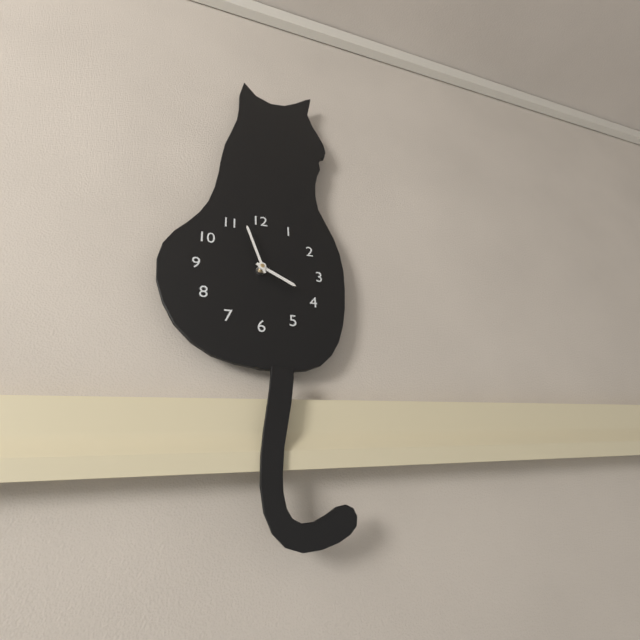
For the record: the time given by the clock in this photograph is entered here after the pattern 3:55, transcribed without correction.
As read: 3:57
